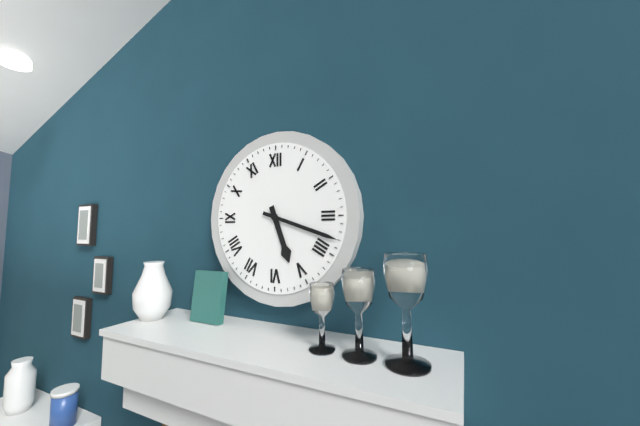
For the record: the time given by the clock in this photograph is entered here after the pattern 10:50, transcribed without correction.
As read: 5:18
